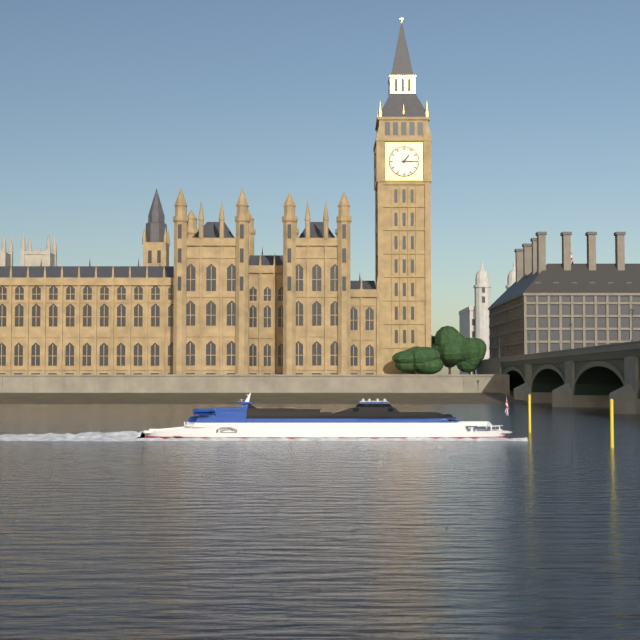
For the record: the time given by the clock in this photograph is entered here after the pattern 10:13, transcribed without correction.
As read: 1:15
